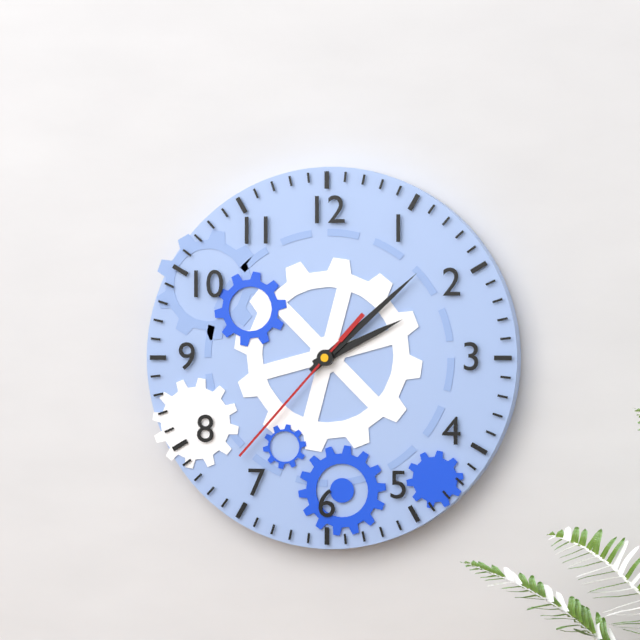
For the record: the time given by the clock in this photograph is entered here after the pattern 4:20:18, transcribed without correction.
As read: 2:08:37
